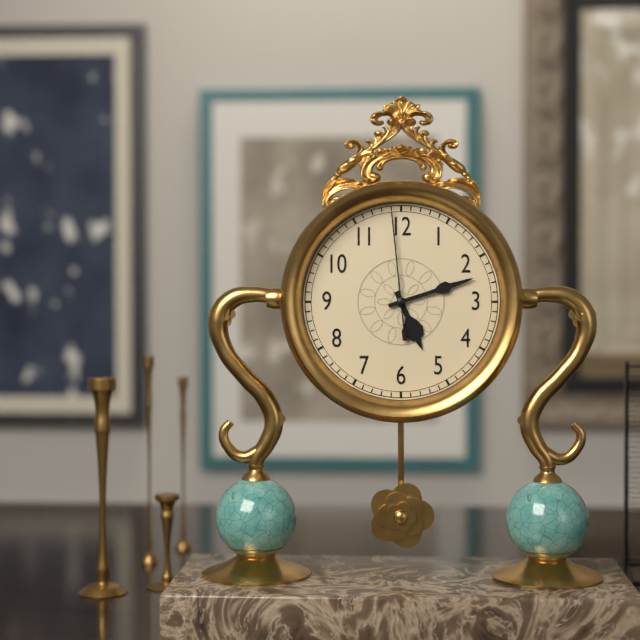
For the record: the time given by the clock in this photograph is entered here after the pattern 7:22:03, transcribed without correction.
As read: 5:12:59
